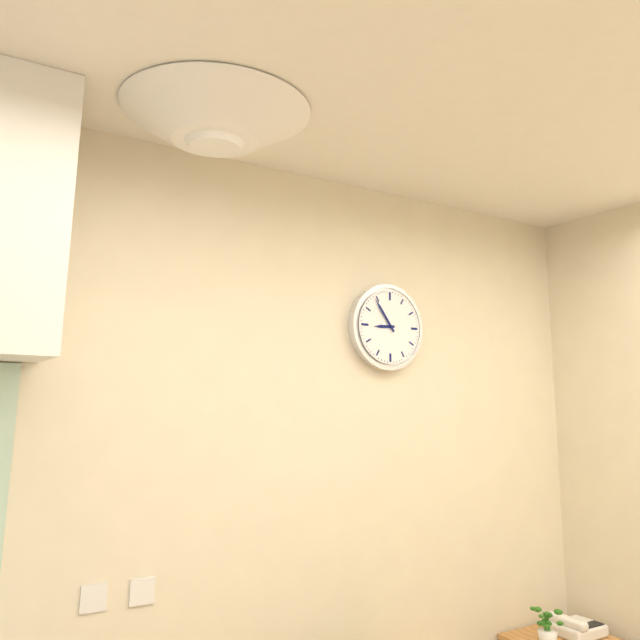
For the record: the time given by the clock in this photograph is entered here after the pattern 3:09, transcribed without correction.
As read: 8:54
